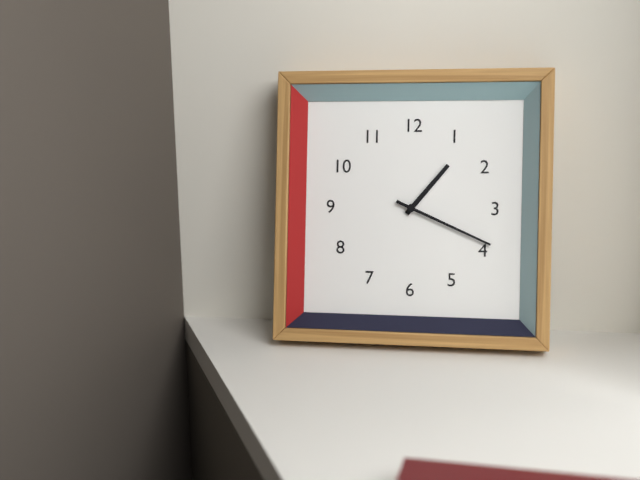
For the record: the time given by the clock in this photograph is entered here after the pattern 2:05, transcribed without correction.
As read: 1:19
